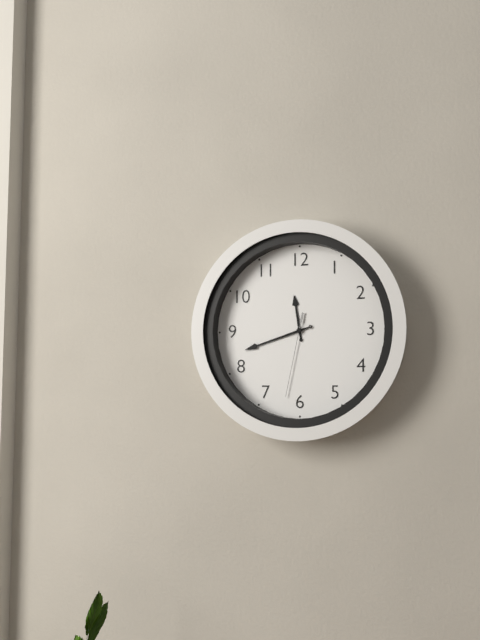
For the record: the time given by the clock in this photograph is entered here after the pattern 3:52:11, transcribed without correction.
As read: 11:42:32
